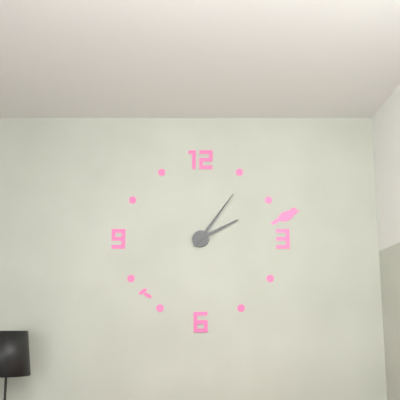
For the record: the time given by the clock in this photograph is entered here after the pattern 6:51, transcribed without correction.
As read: 2:06
